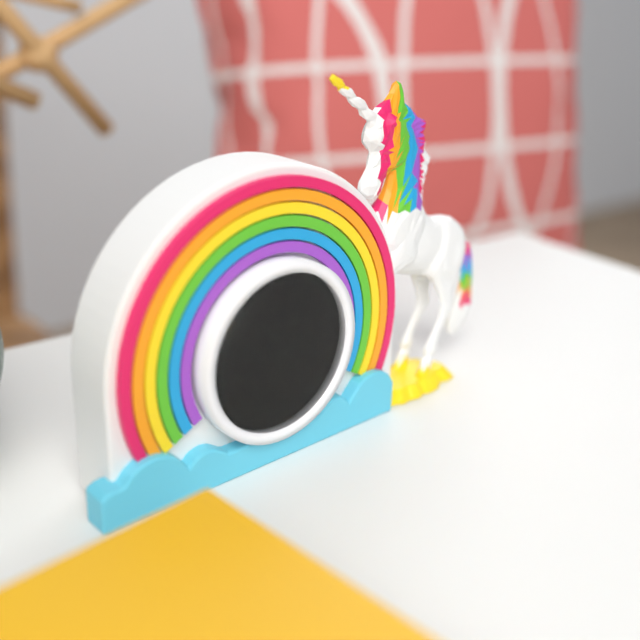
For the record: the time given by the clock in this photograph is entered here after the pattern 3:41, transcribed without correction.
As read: 8:51
